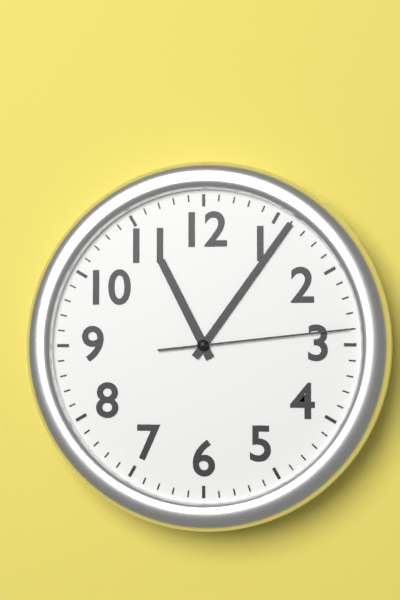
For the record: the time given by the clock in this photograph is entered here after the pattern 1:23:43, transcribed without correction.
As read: 11:06:14
